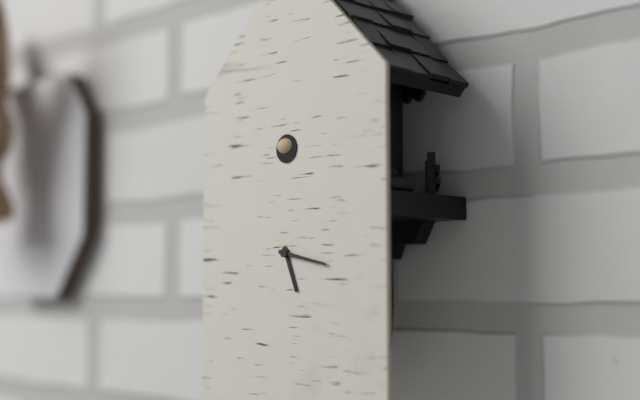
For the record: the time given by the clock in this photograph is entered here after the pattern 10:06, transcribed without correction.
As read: 5:17
